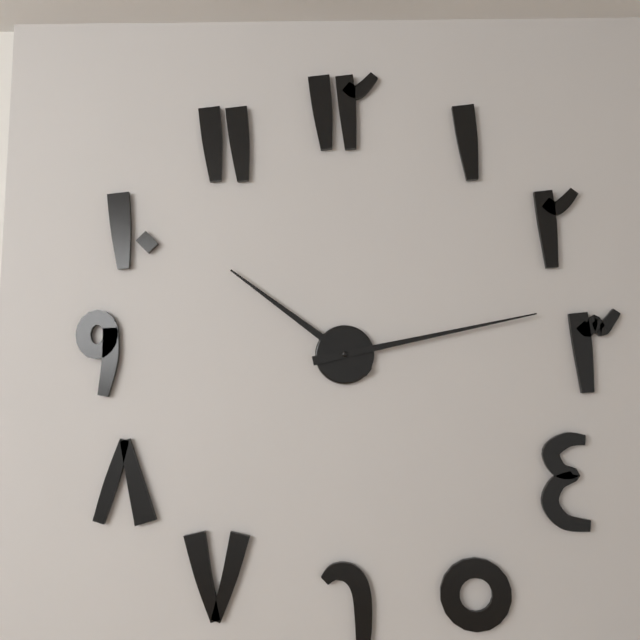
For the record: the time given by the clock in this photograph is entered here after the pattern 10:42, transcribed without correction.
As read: 10:13
